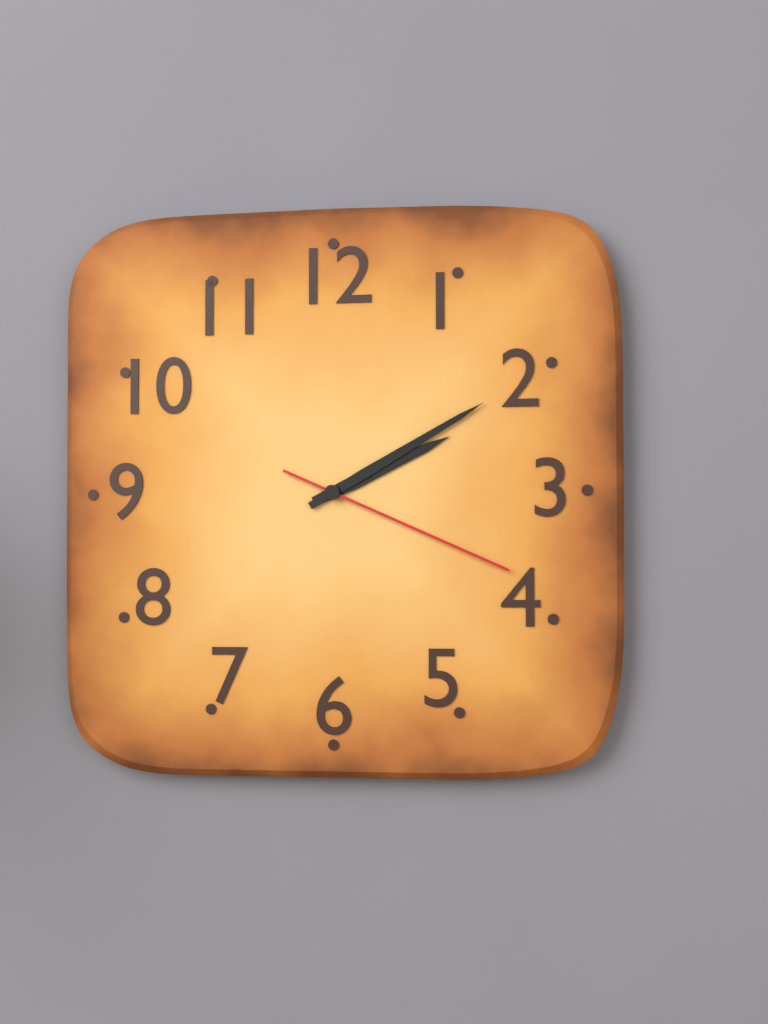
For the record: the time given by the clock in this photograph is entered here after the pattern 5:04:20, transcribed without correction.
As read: 2:10:19
